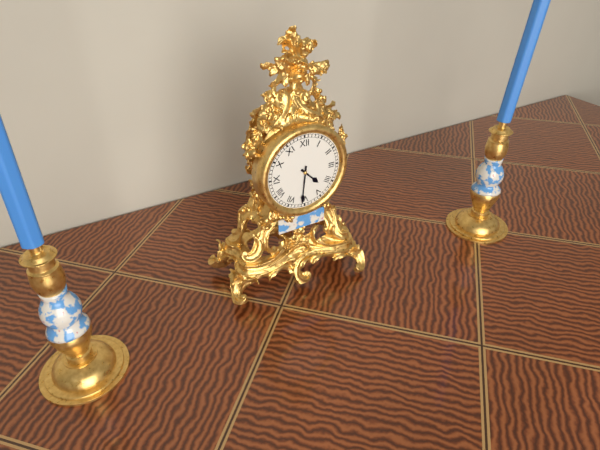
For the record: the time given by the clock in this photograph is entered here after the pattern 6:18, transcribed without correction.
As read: 4:31
